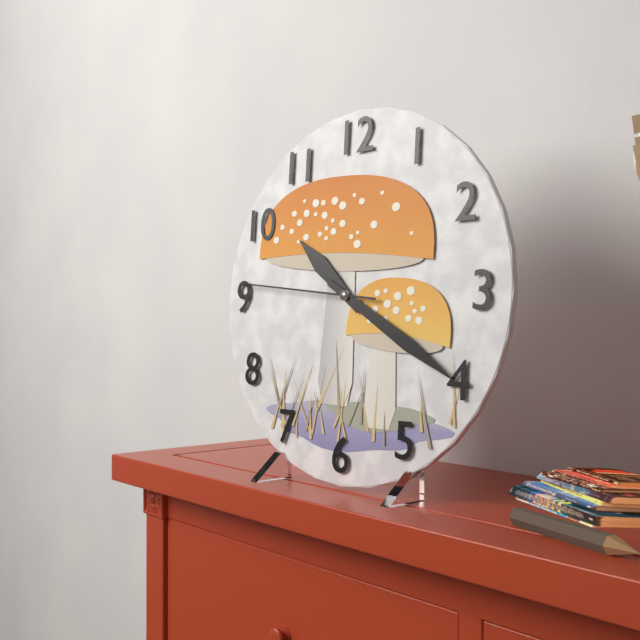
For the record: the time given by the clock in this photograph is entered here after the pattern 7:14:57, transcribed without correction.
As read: 10:20:46
